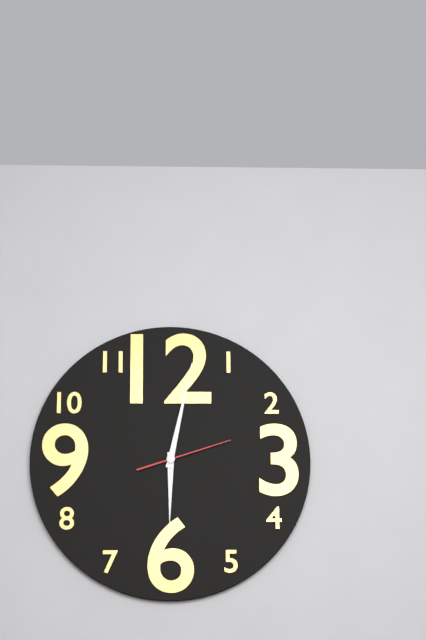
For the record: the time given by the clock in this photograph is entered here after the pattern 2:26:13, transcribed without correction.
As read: 6:02:12
